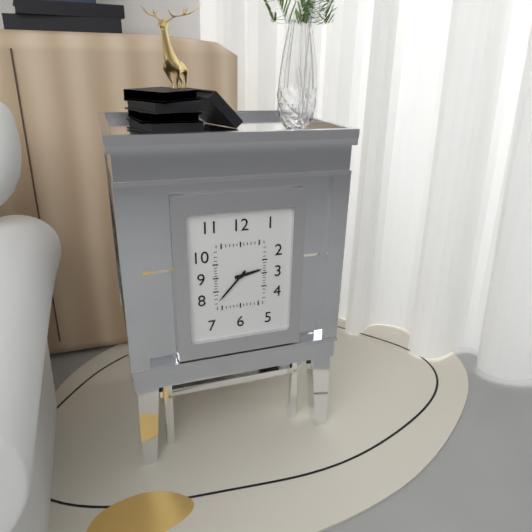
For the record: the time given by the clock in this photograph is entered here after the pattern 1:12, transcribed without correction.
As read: 2:37
